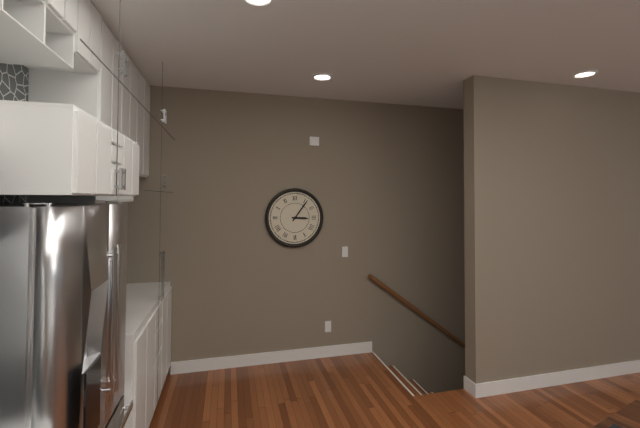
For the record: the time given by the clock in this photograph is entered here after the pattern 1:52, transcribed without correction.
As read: 3:06
